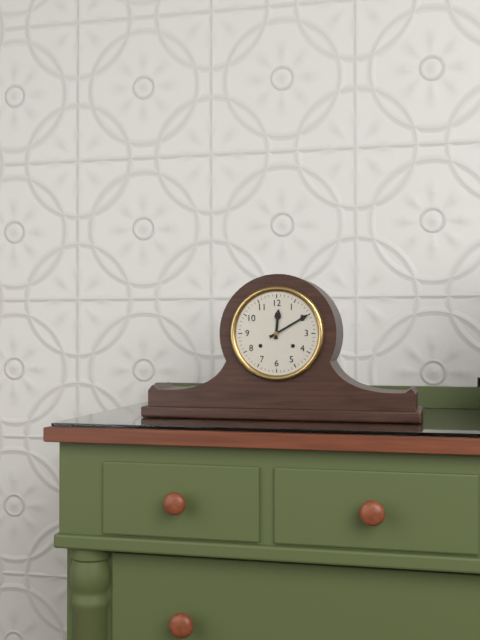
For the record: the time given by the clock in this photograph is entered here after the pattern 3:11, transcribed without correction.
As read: 12:10
